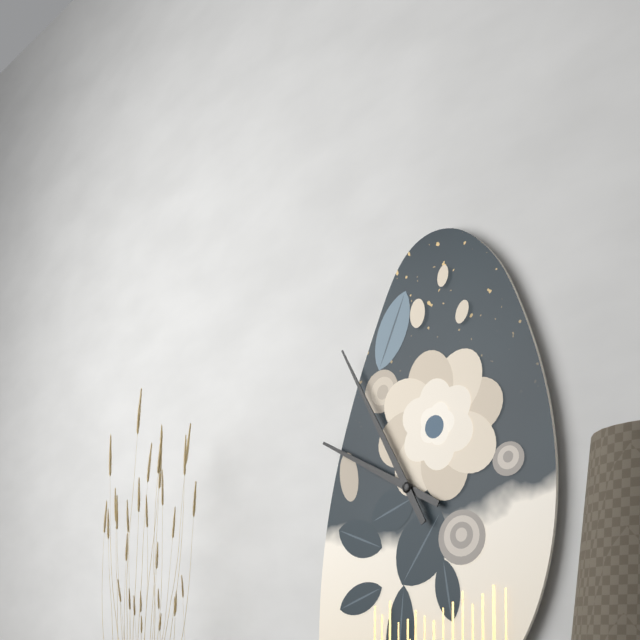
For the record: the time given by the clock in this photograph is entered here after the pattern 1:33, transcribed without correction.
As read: 9:55
